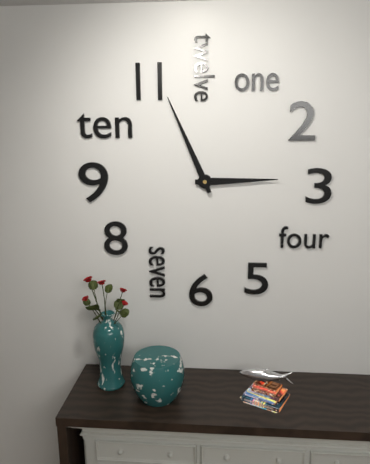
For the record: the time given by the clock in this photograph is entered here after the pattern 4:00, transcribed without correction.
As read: 2:56
